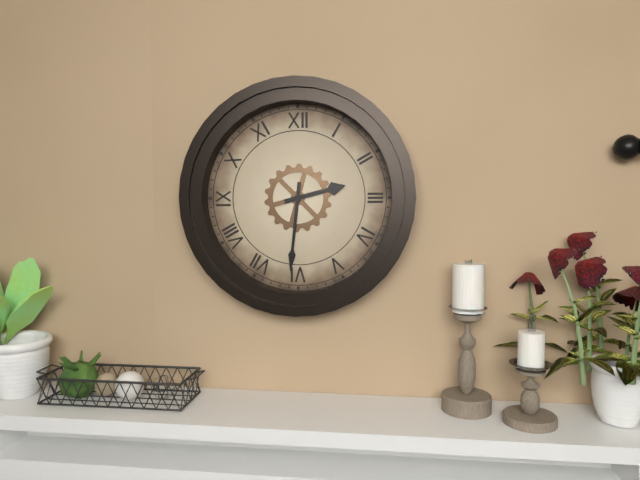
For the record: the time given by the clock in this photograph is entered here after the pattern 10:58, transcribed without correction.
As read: 2:31
